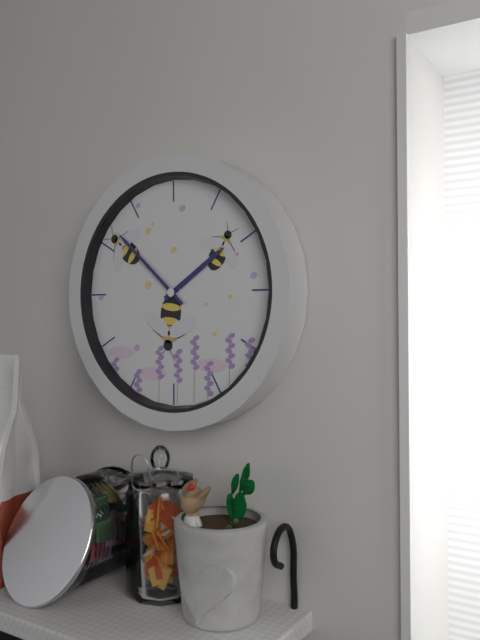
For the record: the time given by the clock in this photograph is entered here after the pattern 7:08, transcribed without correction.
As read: 1:52
